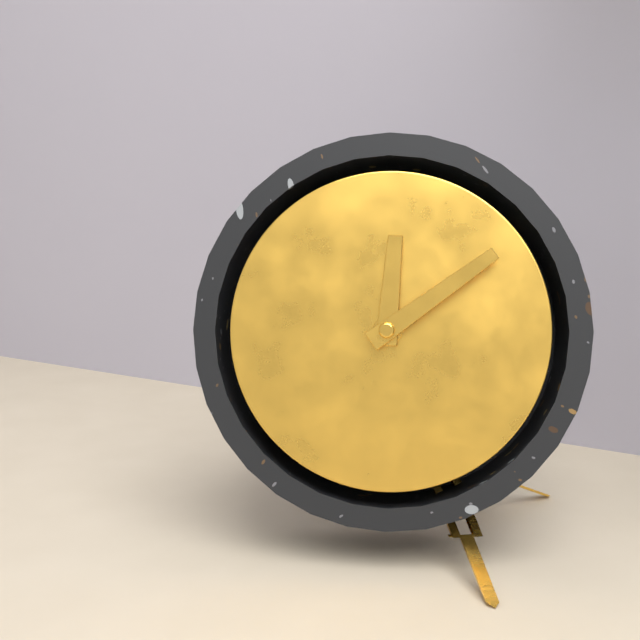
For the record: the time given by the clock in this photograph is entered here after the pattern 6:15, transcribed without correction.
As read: 12:09
